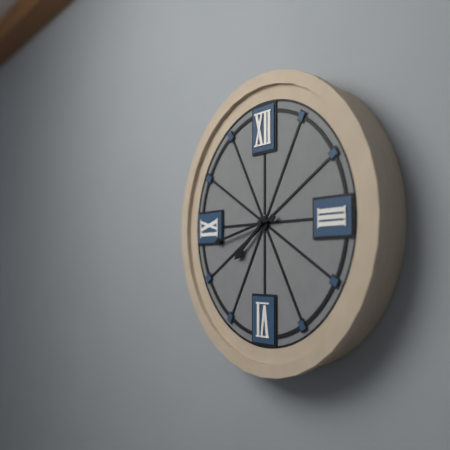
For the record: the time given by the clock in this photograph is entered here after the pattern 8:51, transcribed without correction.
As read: 7:43
